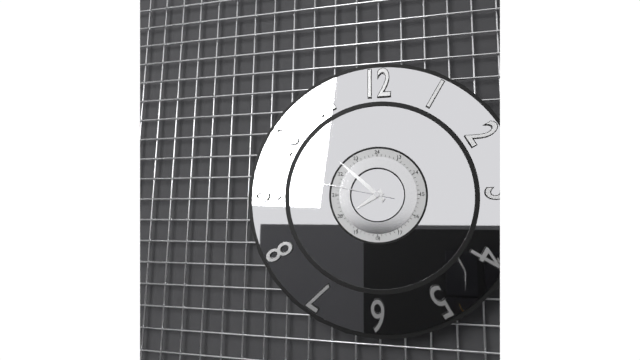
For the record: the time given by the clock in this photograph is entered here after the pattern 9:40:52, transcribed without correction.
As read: 7:52:47
